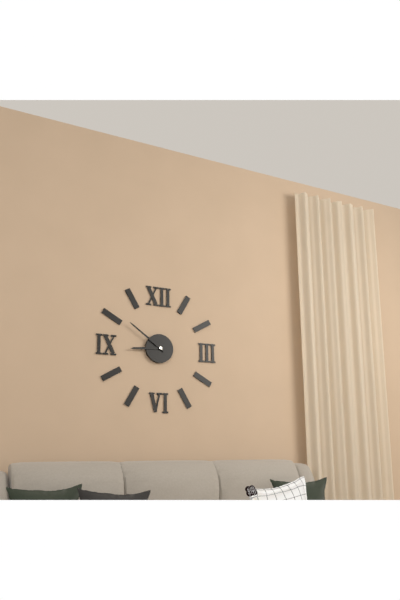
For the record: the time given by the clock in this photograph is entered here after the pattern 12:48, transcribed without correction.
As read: 8:51
